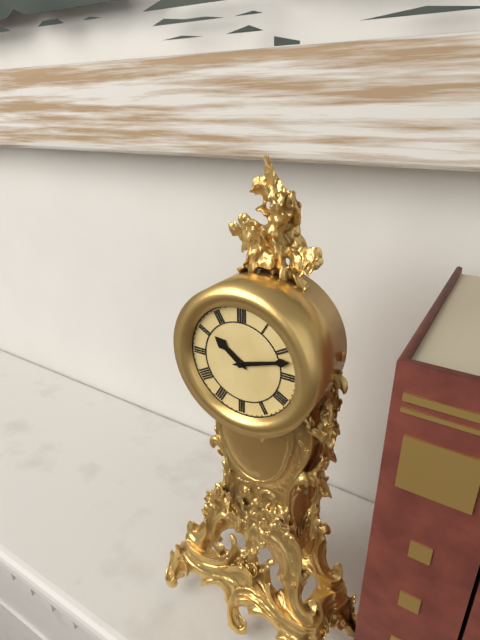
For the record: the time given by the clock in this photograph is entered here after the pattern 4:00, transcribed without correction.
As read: 10:12
